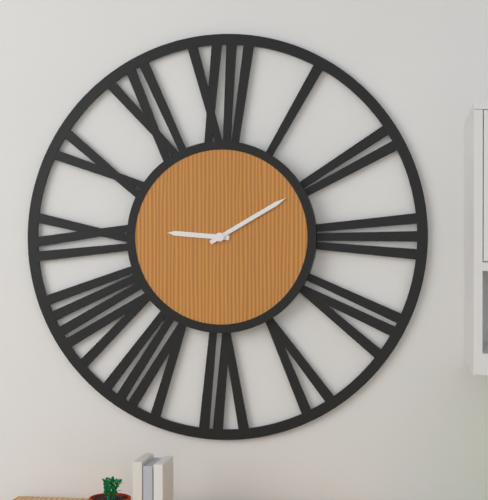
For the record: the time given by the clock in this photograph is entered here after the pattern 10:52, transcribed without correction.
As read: 9:10
